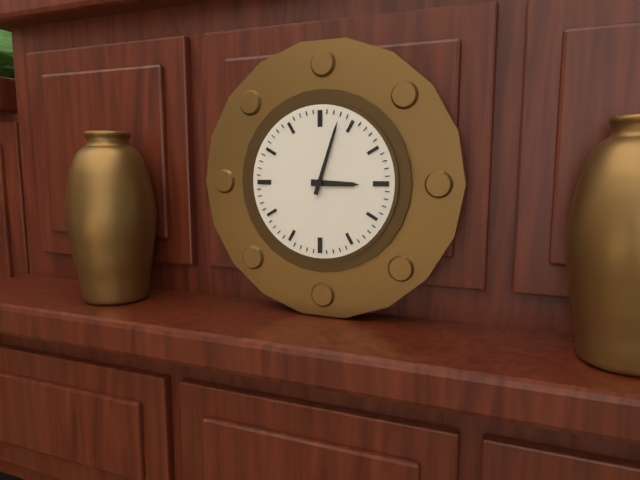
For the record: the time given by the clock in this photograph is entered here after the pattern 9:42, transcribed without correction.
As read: 3:03
